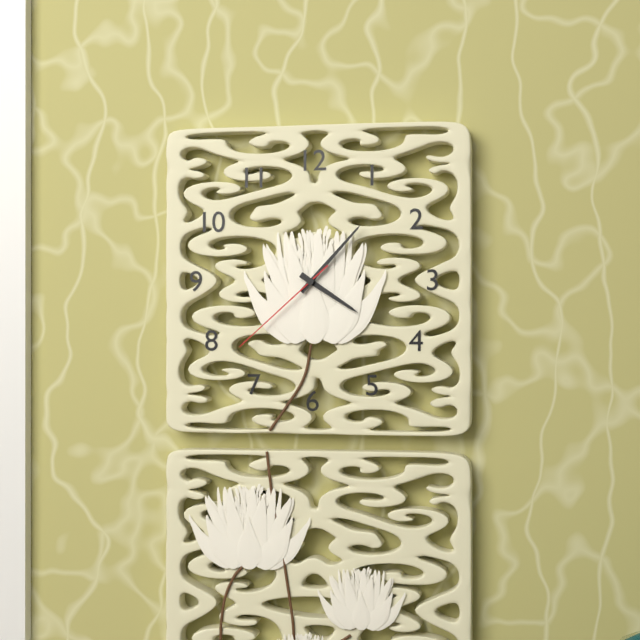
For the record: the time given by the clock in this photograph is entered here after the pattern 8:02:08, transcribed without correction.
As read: 4:07:38
